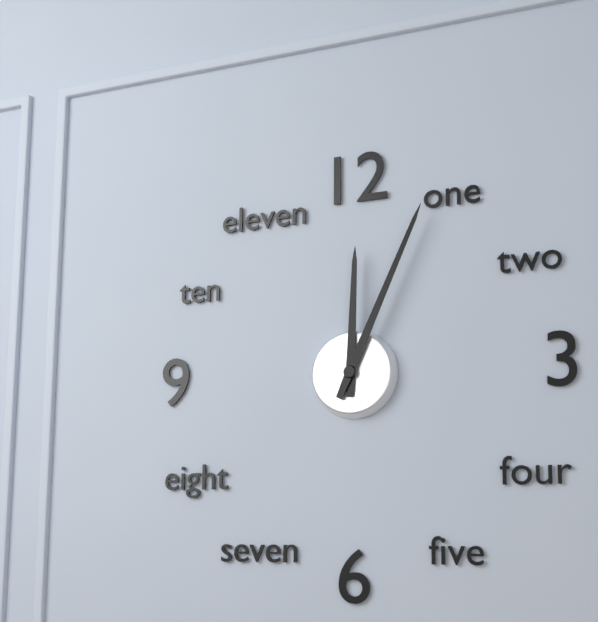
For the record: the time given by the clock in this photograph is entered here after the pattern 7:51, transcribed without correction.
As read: 12:04
